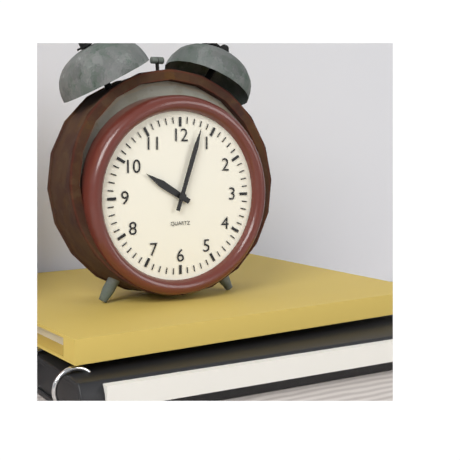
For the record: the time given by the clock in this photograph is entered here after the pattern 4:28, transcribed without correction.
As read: 10:03
